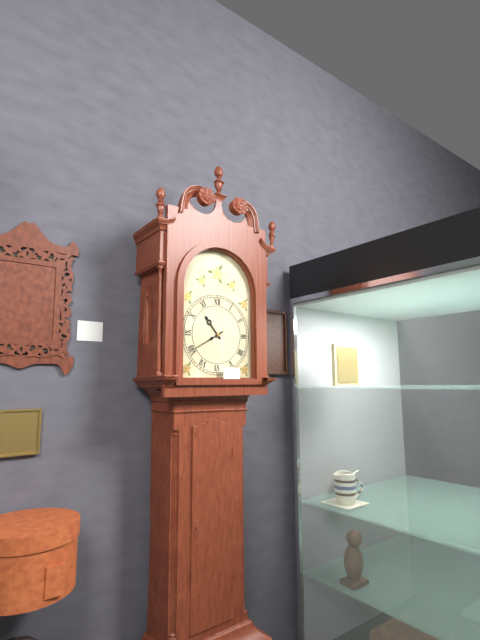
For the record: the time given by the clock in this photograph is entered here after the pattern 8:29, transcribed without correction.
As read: 10:40
